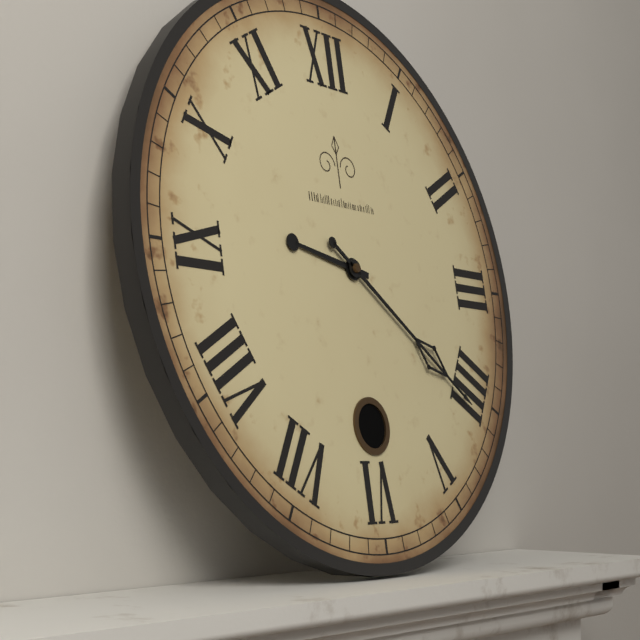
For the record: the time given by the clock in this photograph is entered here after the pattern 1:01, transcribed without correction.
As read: 9:21
